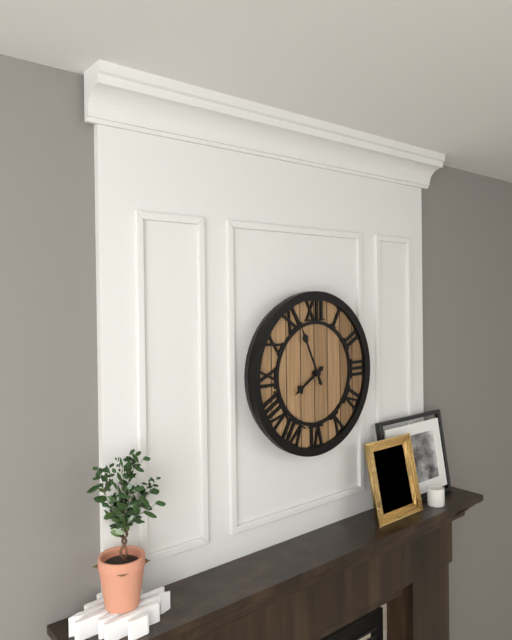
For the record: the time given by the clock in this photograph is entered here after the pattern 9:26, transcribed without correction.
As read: 7:56
